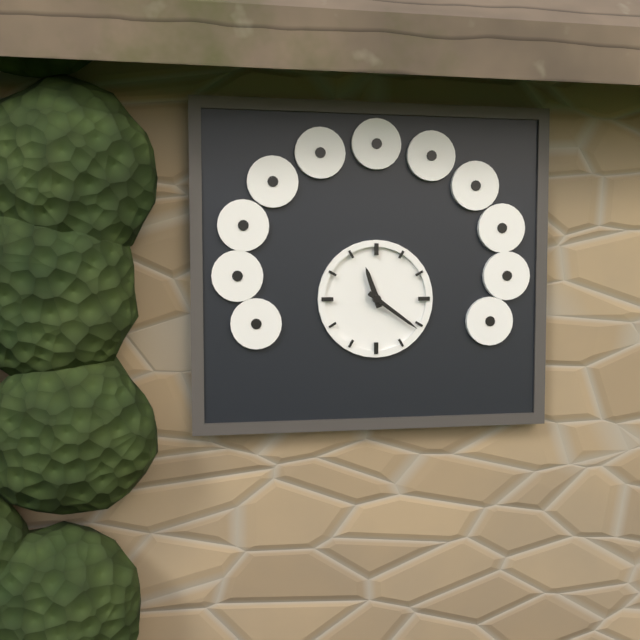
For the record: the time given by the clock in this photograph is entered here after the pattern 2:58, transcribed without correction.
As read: 11:21
